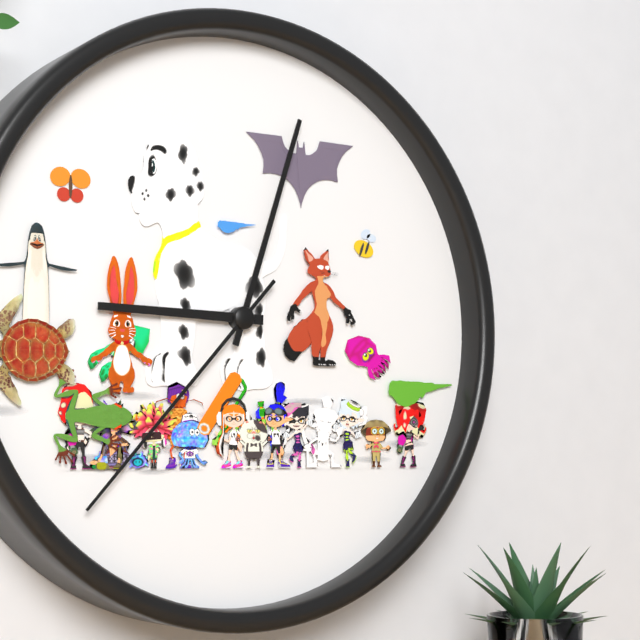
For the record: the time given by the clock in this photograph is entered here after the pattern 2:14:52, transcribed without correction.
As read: 9:03:37
